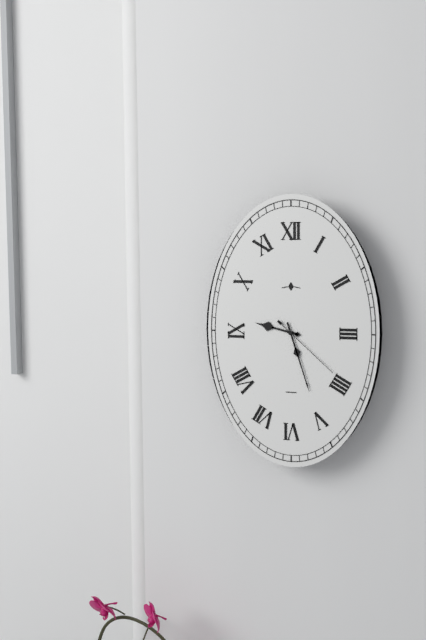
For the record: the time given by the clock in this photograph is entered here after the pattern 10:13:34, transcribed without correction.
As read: 9:27:22
